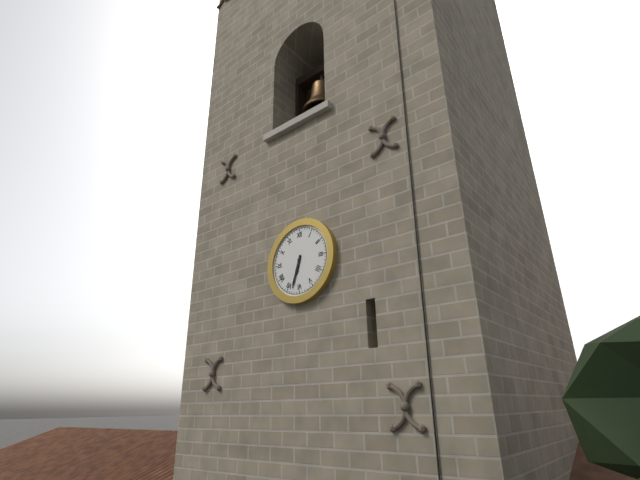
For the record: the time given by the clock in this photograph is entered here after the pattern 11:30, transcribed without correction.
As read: 6:33
